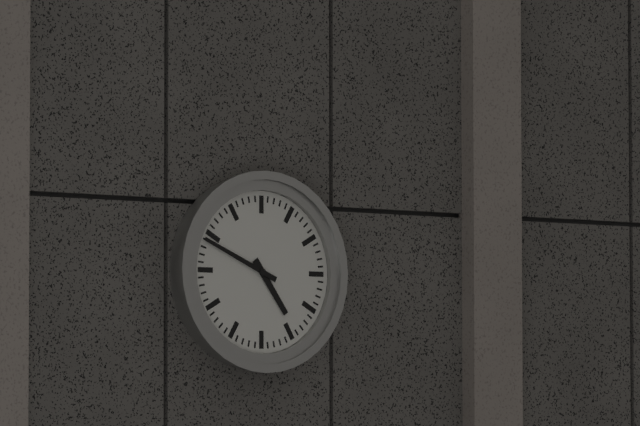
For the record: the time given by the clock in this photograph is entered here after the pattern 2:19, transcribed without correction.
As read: 4:49
